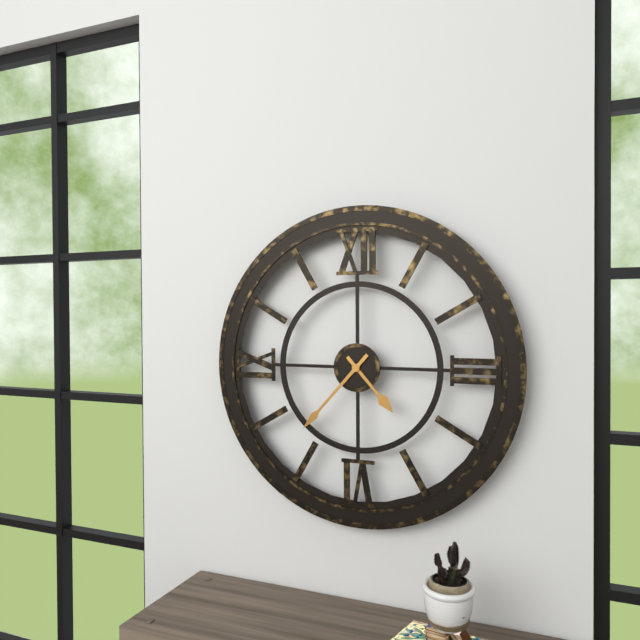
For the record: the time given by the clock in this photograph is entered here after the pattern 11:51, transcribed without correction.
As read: 4:37
